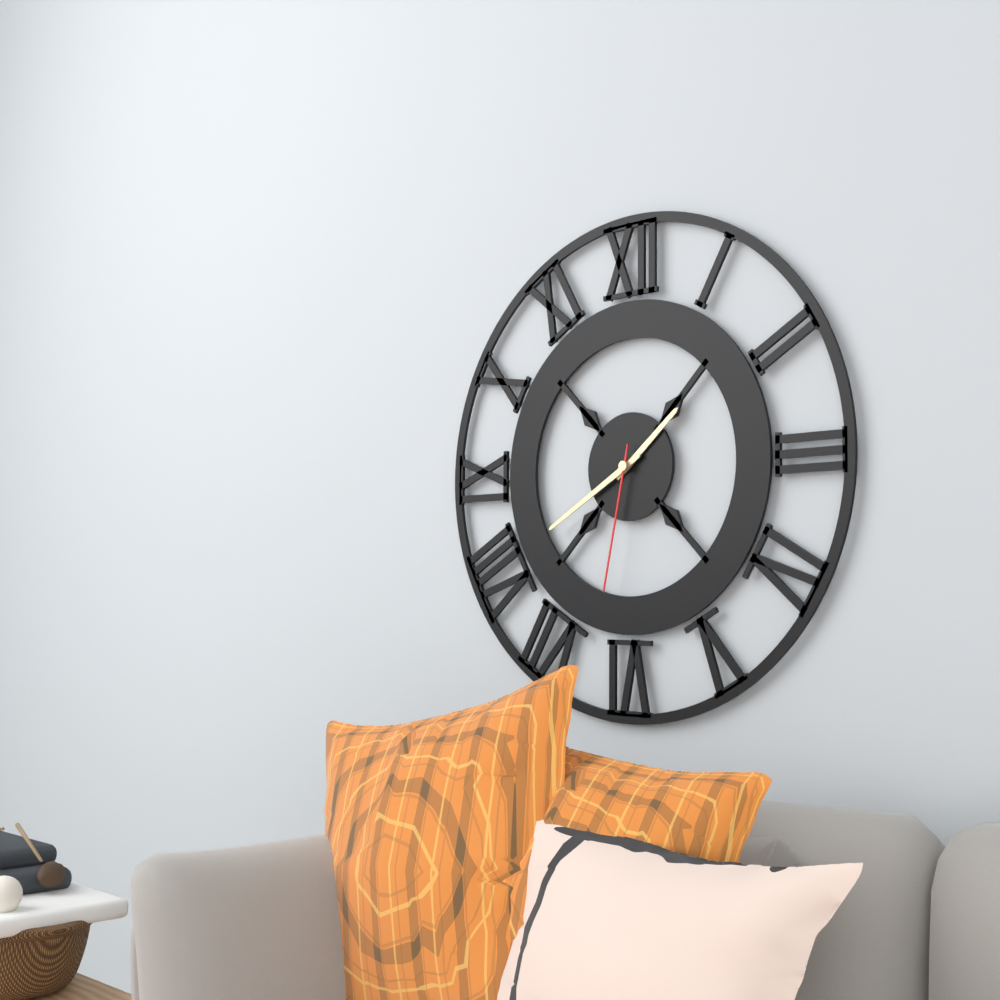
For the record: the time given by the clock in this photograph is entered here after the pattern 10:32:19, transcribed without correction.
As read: 1:40:32
